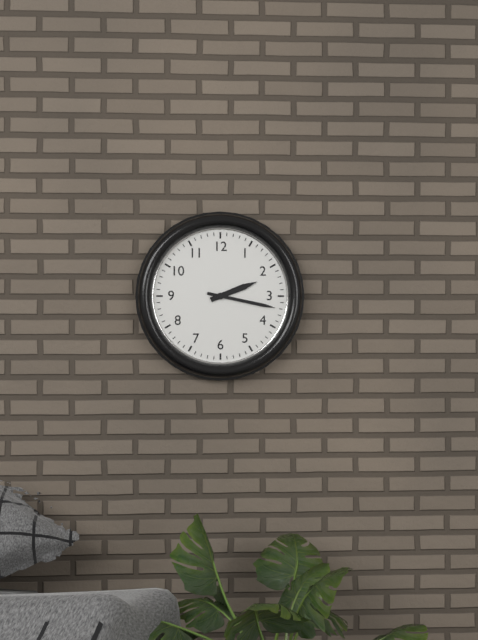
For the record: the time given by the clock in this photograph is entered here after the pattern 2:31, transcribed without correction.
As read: 2:17
